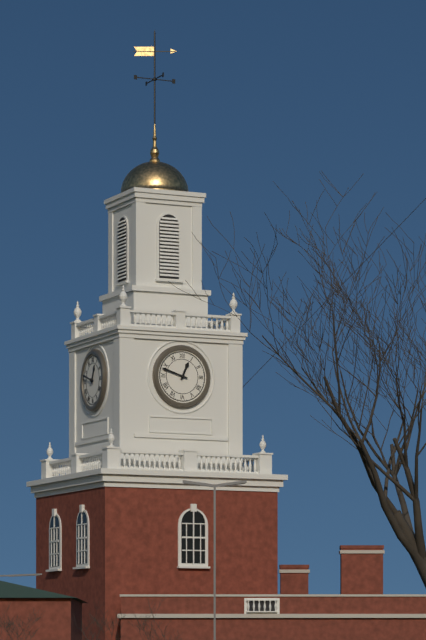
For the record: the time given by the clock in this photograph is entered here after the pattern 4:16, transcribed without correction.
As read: 12:48
